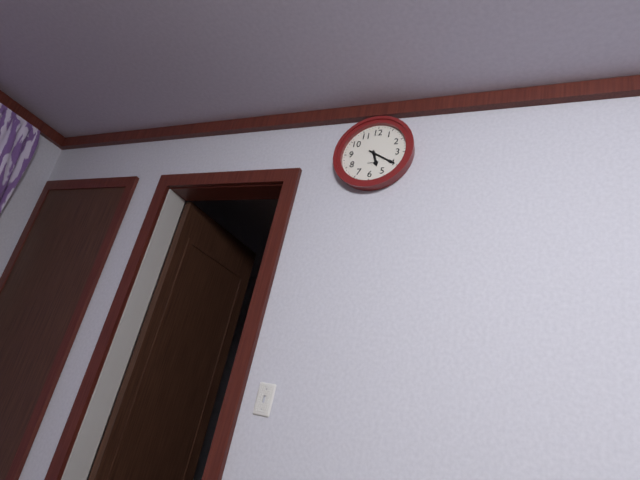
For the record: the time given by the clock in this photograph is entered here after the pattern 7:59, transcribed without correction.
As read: 5:20
